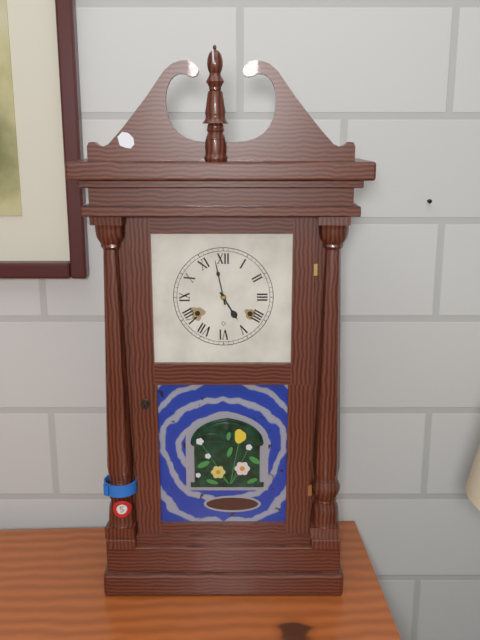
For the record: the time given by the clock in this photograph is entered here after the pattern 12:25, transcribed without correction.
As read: 4:58
